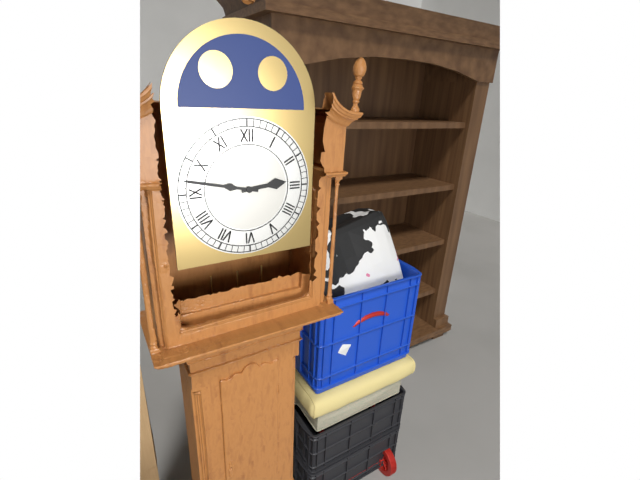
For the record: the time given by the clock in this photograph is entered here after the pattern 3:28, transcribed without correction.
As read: 2:47
